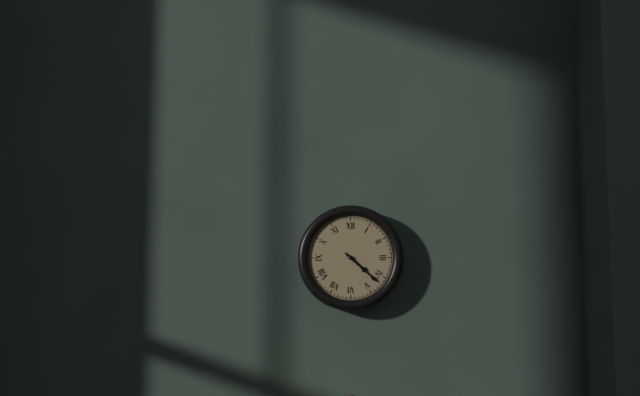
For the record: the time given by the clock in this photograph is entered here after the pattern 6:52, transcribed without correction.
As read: 4:22
